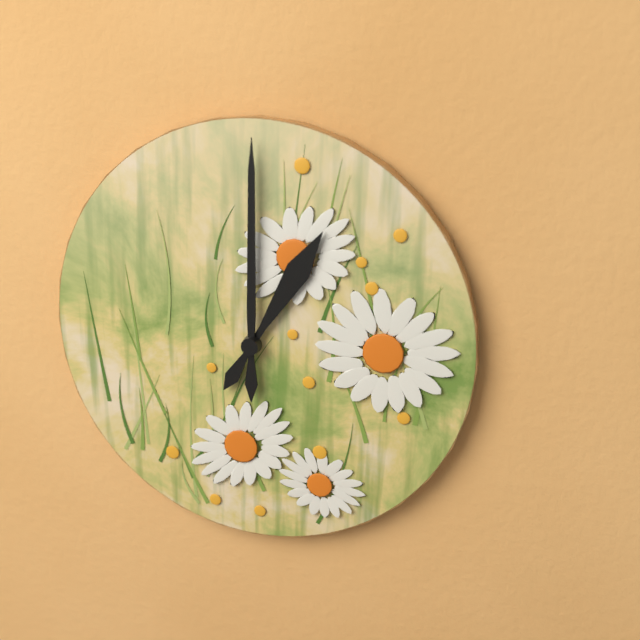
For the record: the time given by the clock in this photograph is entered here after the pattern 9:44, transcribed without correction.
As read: 1:00
